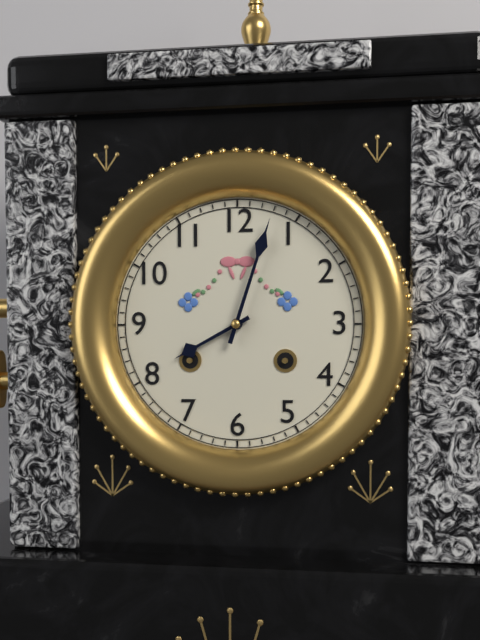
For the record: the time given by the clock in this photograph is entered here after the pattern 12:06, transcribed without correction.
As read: 8:03
